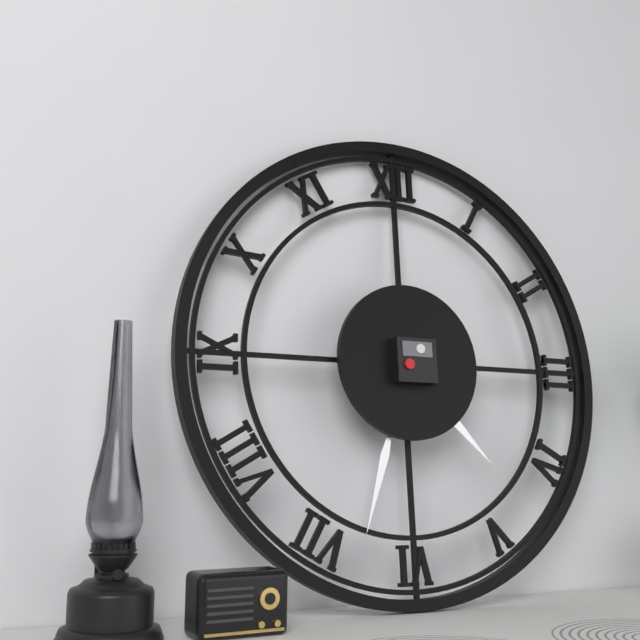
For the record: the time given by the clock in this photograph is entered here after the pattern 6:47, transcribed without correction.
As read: 4:33
